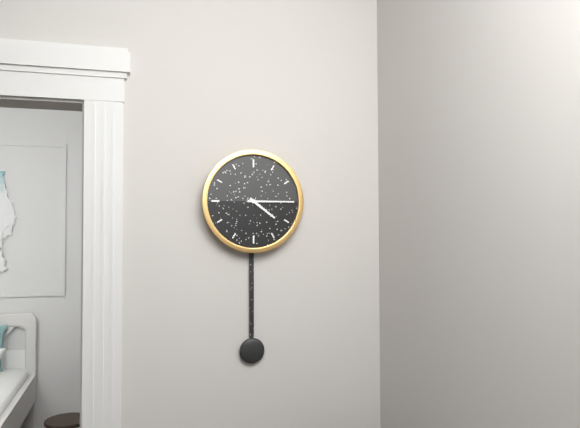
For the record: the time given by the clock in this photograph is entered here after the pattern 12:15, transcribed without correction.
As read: 4:15
